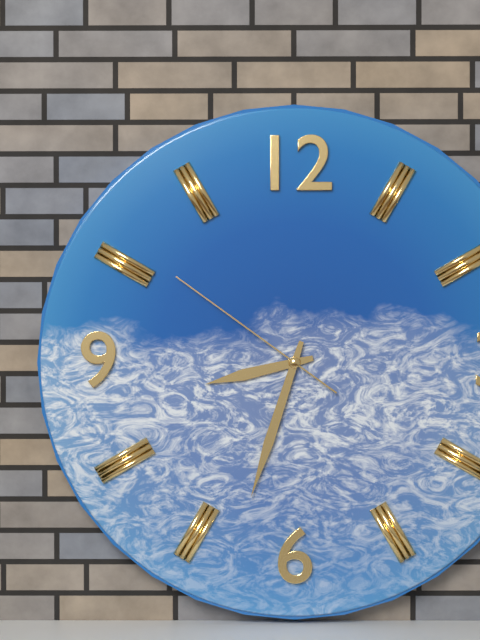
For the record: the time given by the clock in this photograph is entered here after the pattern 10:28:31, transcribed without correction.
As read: 8:33:51
